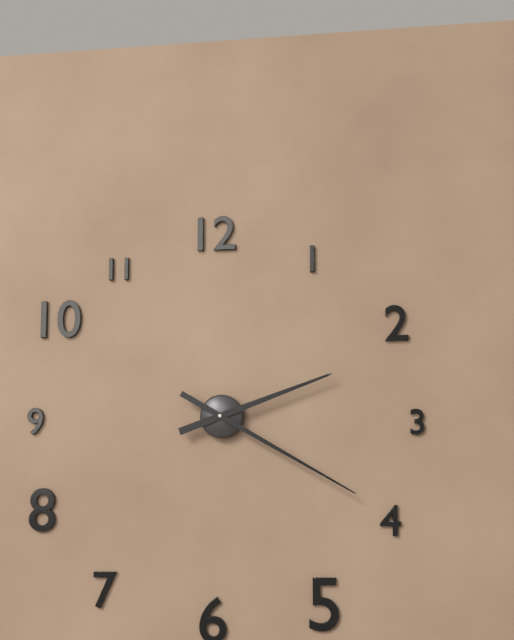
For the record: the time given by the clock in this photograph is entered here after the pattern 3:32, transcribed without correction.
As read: 2:20
